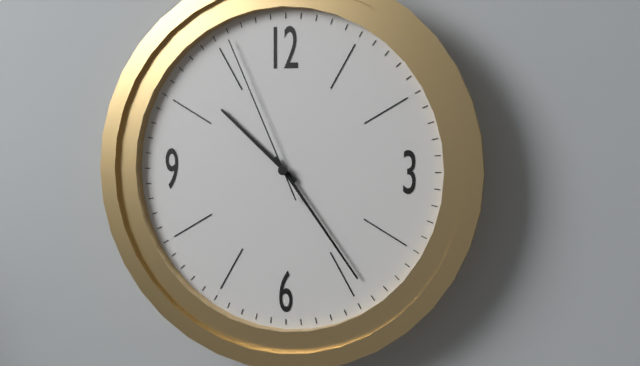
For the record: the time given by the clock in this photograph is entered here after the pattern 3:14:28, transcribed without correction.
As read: 10:24:56
